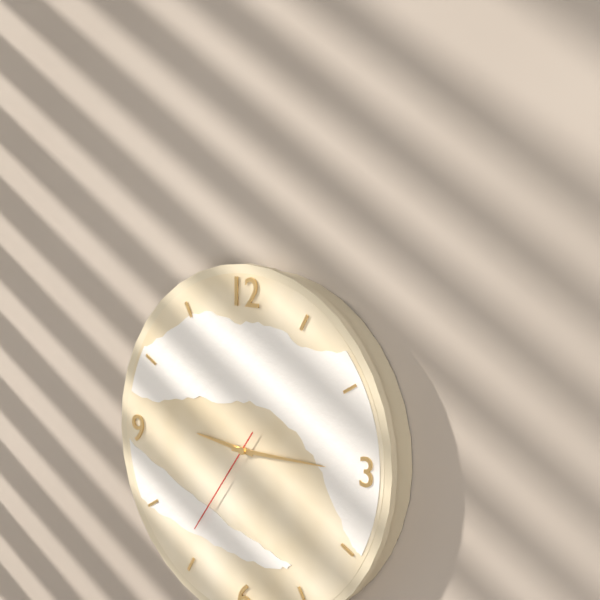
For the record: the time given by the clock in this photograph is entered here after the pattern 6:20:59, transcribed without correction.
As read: 9:15:36
